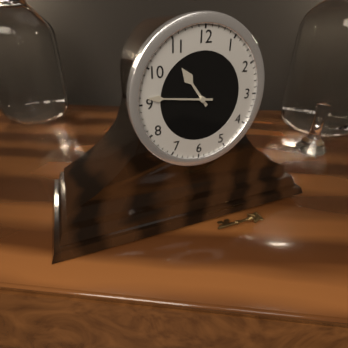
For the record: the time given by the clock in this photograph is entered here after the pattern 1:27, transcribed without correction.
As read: 10:46
